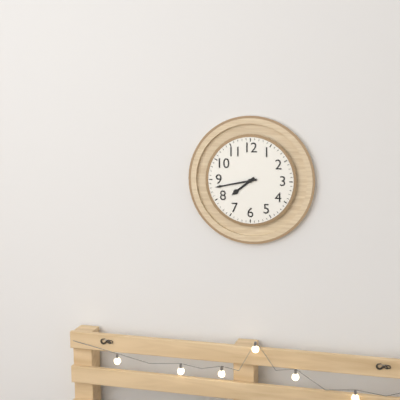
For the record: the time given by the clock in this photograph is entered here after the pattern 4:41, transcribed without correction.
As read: 7:43
